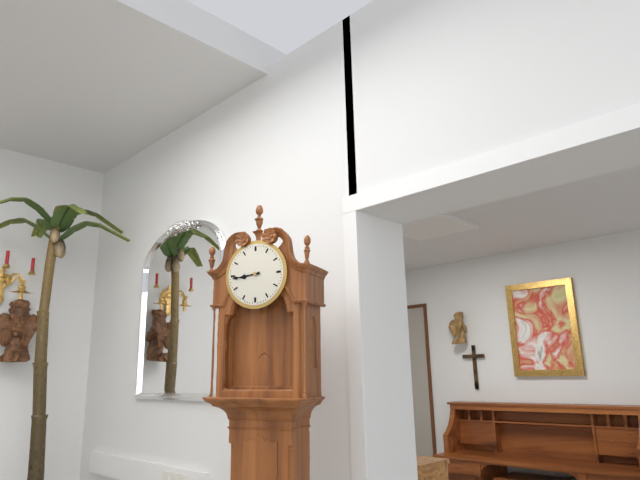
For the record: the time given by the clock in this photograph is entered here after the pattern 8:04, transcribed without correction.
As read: 8:44
